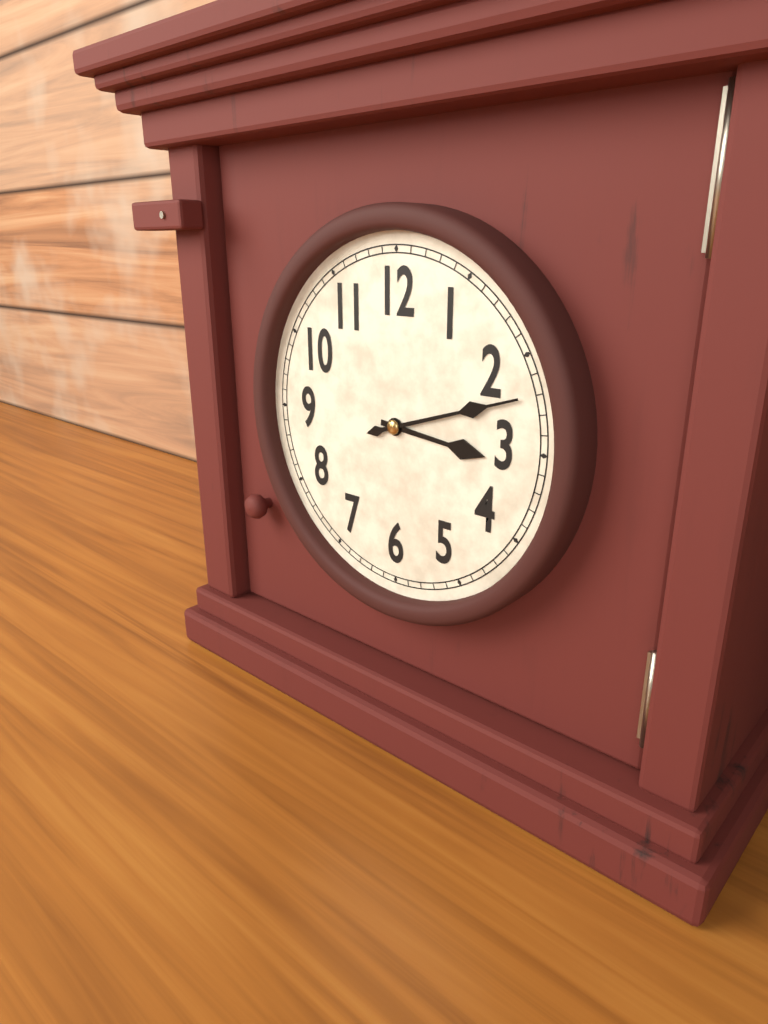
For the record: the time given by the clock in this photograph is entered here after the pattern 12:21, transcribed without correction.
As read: 3:12
